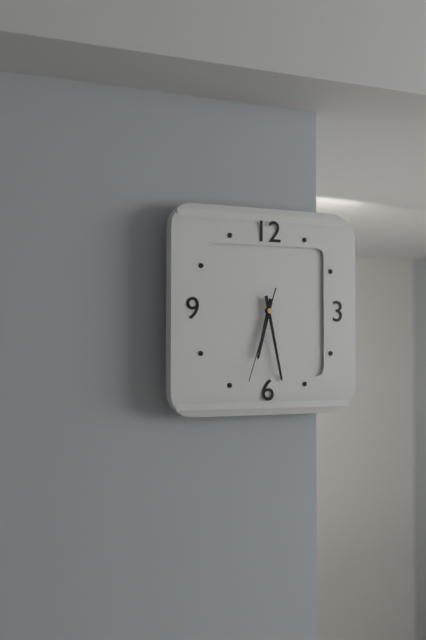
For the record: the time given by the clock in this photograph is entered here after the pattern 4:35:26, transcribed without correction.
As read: 6:28:33
